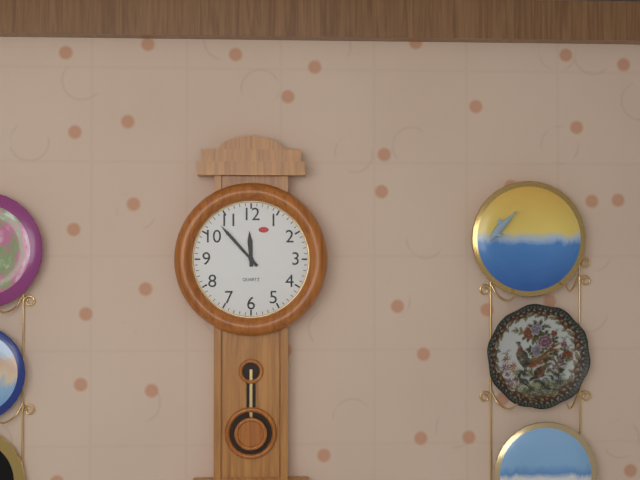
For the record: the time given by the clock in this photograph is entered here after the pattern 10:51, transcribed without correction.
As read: 11:53
